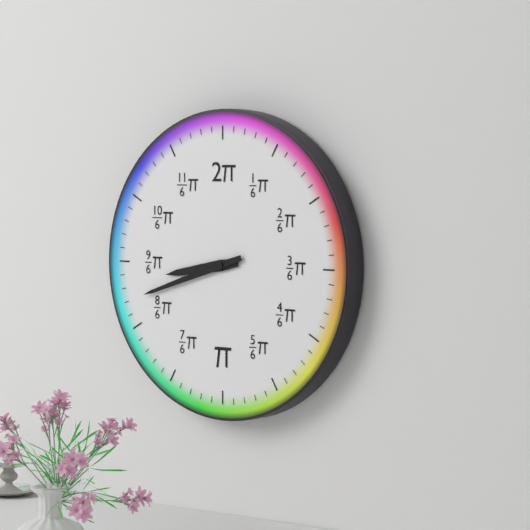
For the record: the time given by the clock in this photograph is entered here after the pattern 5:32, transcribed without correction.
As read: 8:42
